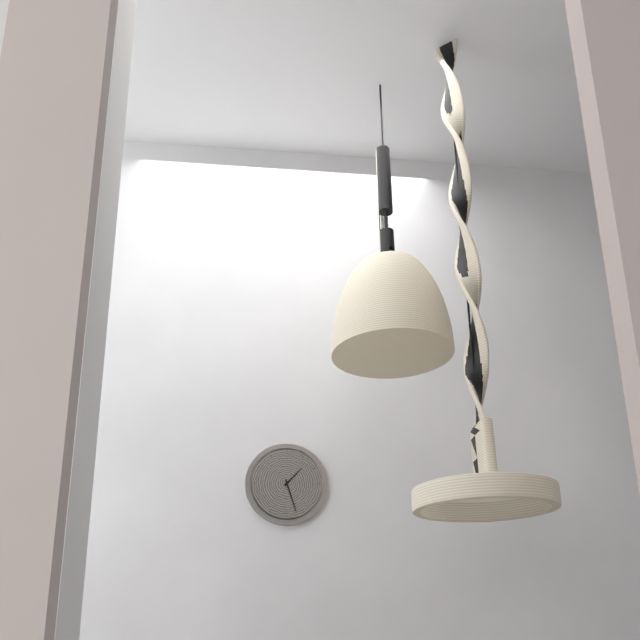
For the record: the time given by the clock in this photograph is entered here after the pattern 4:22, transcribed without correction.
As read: 1:27
